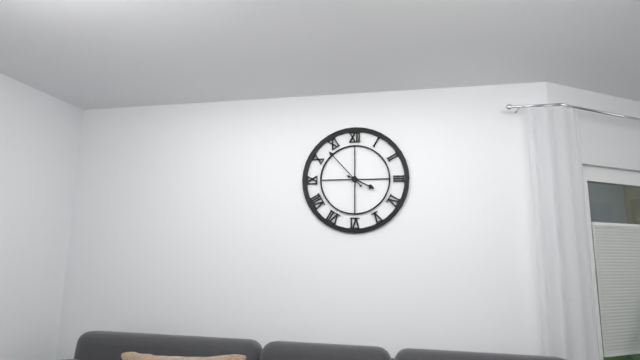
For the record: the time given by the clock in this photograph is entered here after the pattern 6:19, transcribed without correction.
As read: 3:53
